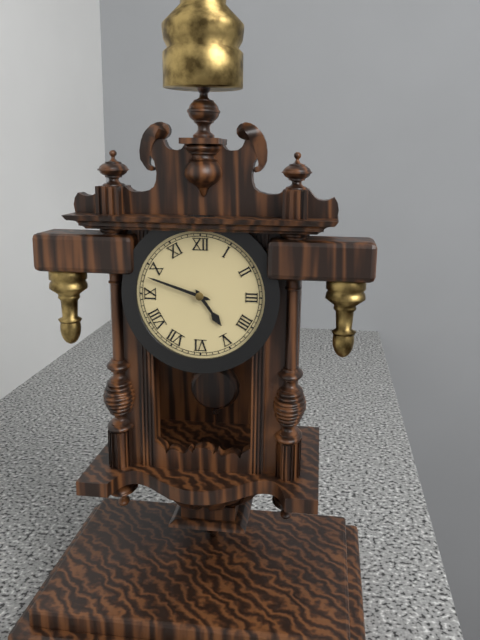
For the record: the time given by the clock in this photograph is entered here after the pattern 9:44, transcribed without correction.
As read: 4:48
